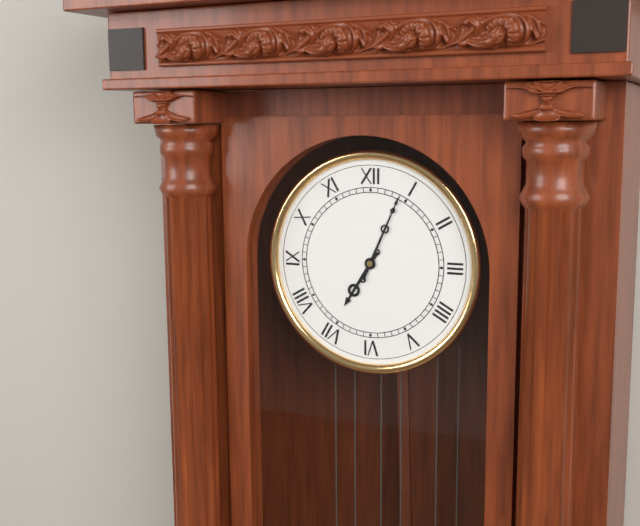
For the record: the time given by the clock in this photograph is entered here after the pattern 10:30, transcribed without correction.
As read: 7:04
